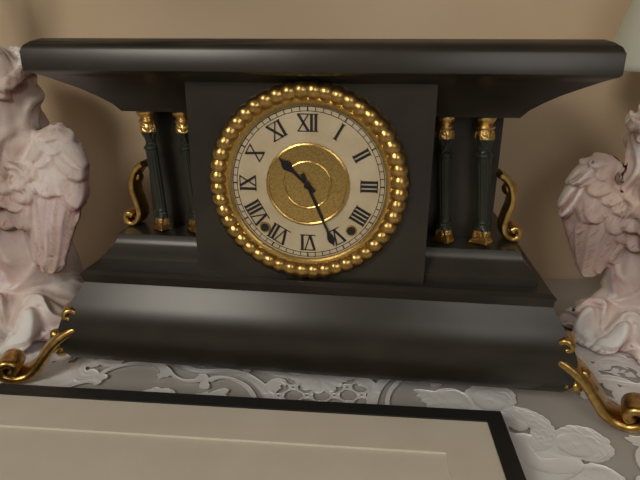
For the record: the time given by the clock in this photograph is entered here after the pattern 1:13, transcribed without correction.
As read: 10:26
